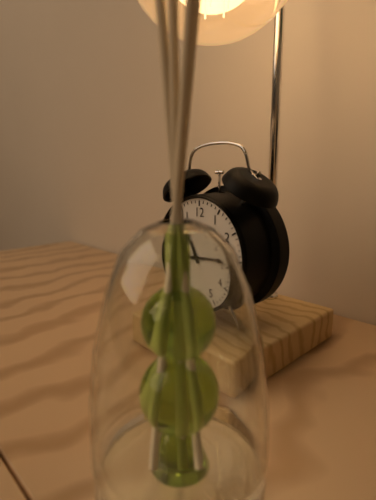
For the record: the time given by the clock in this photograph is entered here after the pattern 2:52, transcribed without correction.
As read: 11:14
